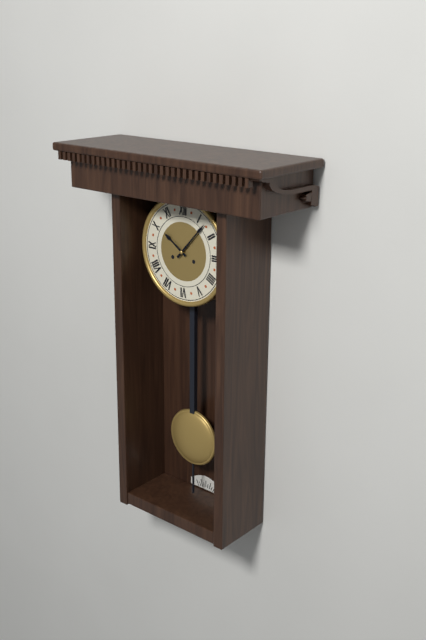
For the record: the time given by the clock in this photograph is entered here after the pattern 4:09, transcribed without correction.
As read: 10:07
